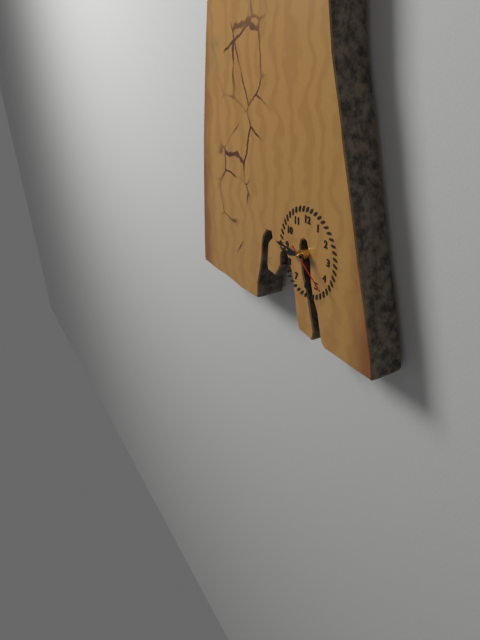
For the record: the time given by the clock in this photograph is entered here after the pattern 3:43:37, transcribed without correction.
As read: 8:46:21
